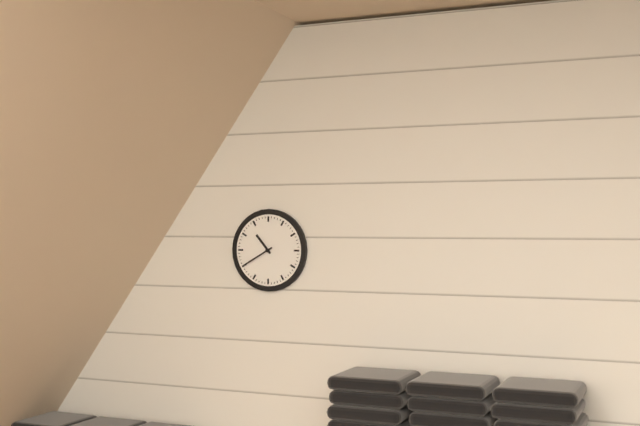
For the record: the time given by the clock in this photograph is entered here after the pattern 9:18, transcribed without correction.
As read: 10:40
